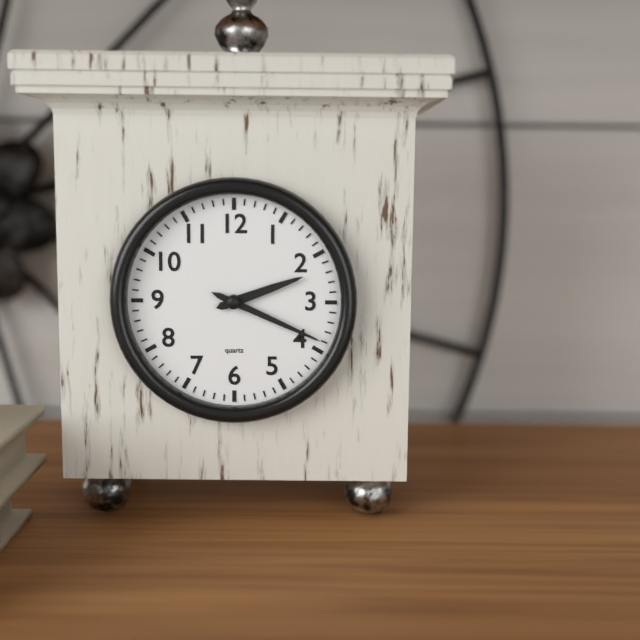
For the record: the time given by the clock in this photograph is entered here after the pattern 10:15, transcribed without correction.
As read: 2:19
